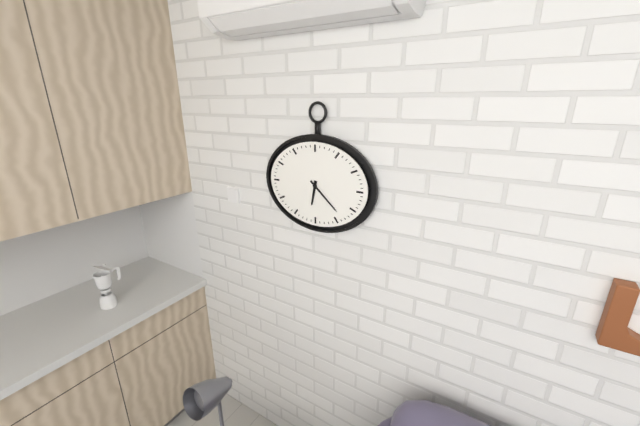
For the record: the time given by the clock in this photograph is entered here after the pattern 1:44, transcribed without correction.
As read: 6:22
